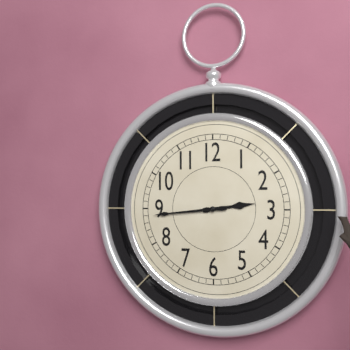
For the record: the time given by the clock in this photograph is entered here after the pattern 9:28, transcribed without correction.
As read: 2:44
